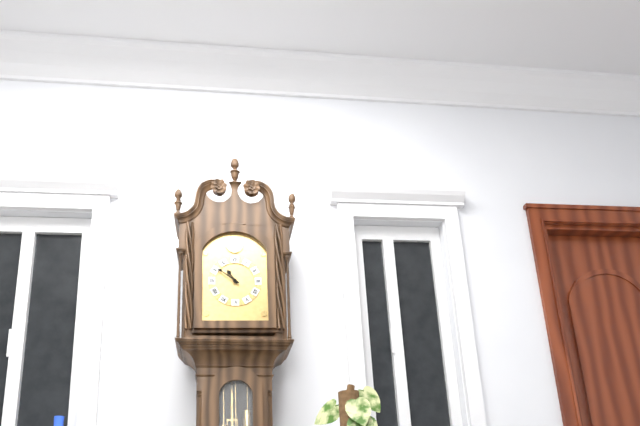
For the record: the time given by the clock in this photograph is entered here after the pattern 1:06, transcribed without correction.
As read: 10:51
